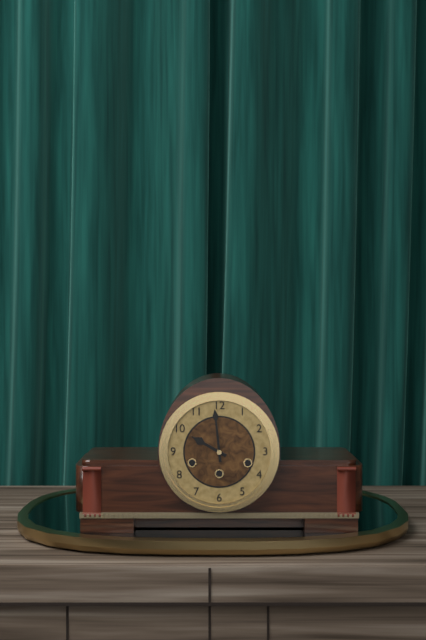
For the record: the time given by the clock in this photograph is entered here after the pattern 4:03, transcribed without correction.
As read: 9:59
